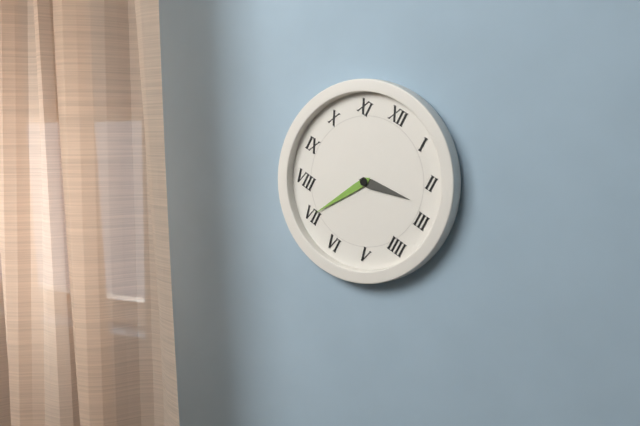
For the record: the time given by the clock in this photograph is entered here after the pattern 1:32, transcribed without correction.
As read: 2:35
